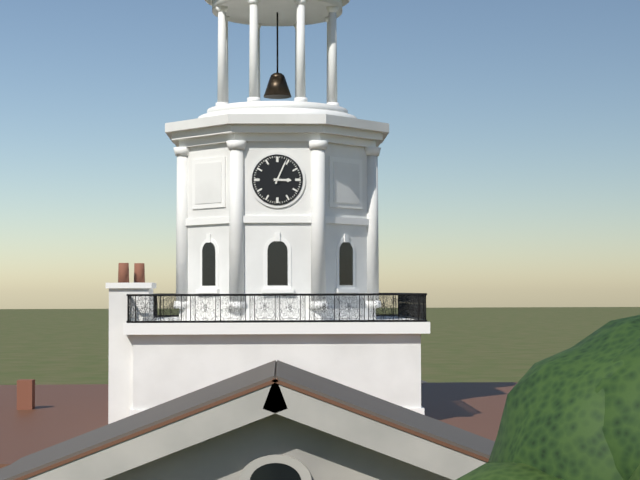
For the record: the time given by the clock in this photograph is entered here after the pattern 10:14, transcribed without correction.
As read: 3:04
